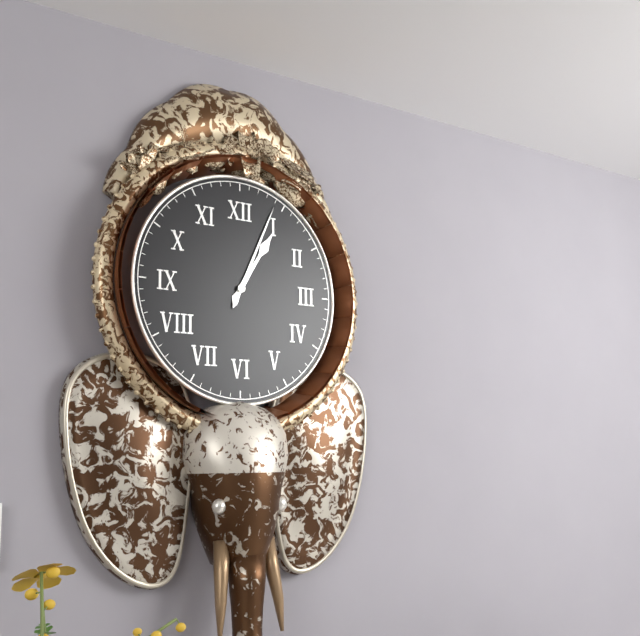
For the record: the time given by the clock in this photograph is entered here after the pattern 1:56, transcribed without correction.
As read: 1:04
